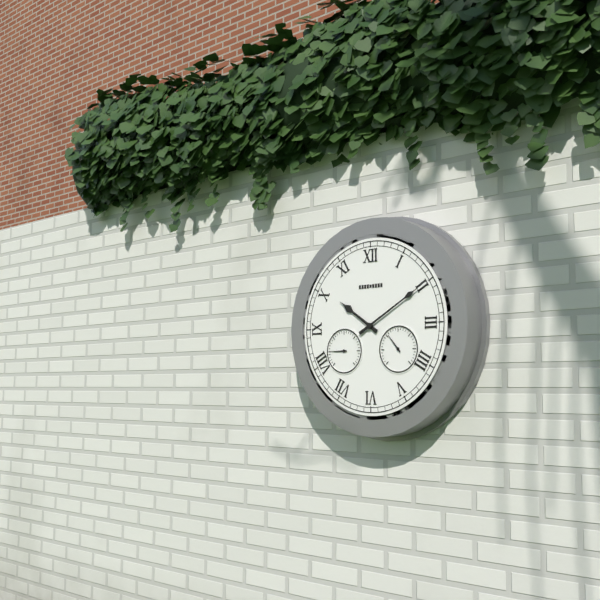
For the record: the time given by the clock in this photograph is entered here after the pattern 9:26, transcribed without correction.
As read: 10:10
